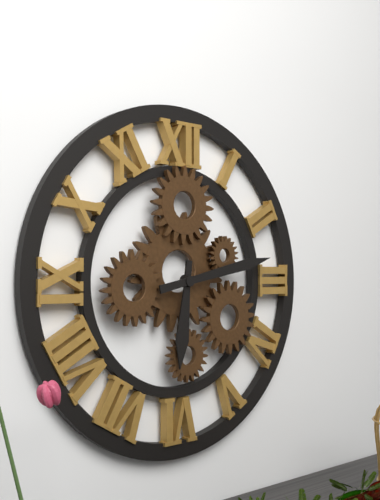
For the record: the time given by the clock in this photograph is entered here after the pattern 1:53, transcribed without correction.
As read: 6:13
